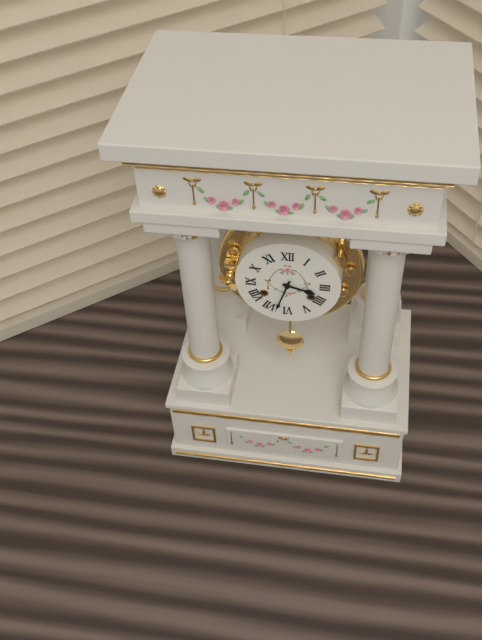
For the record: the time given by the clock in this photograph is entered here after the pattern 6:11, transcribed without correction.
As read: 3:33
